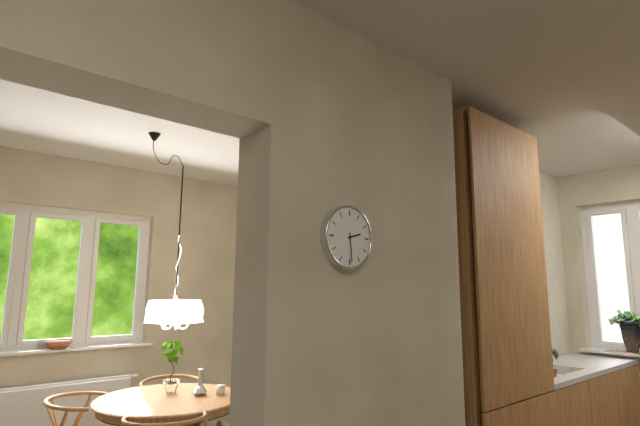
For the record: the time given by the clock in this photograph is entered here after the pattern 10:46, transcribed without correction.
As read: 2:29
